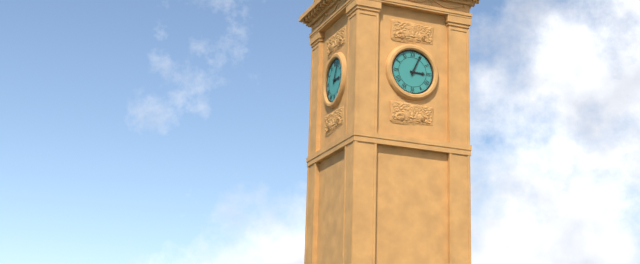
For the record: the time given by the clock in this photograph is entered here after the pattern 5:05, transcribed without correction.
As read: 3:04
